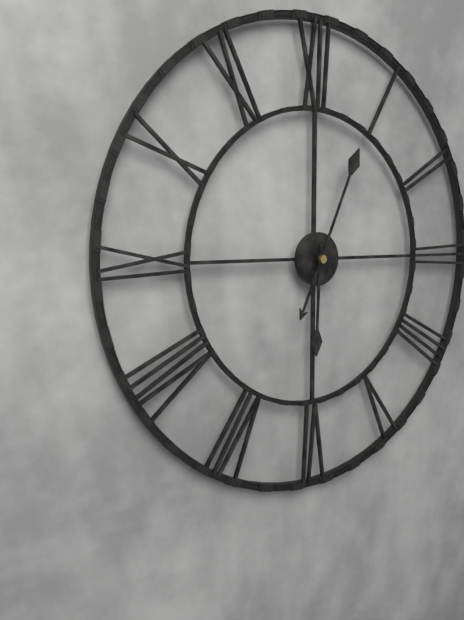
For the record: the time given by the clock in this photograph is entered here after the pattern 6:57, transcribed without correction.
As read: 6:04
